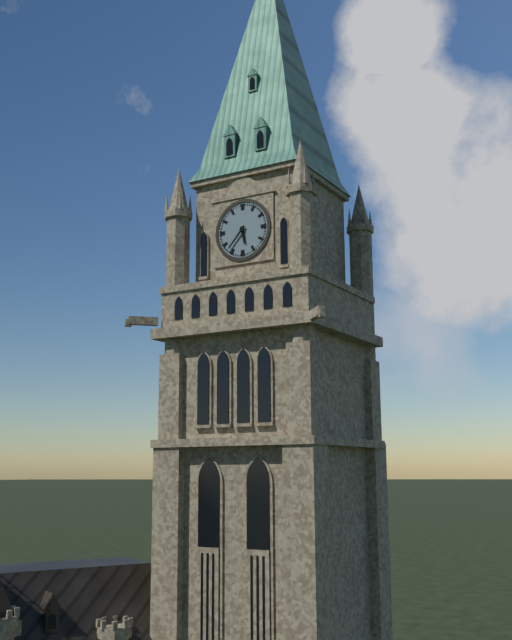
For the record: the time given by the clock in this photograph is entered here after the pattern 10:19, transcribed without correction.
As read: 5:37
